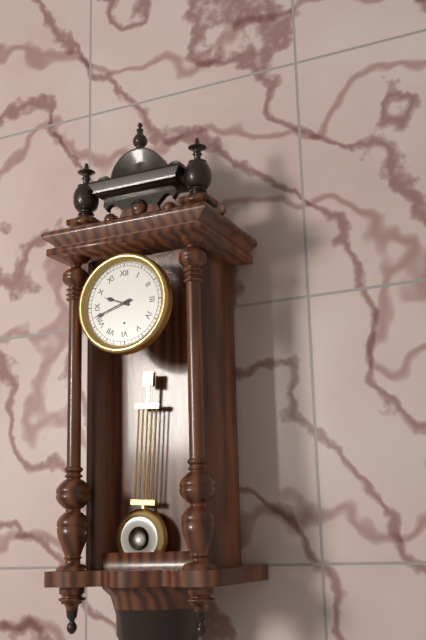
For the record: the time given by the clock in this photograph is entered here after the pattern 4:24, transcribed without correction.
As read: 9:42
